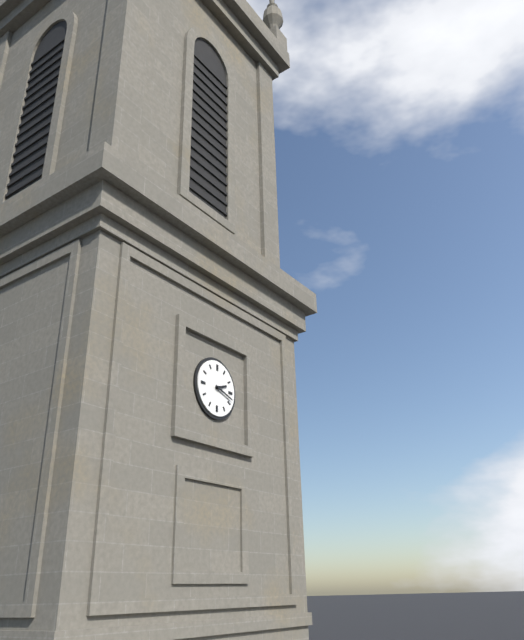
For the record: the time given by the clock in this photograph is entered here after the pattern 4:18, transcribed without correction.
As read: 2:18
